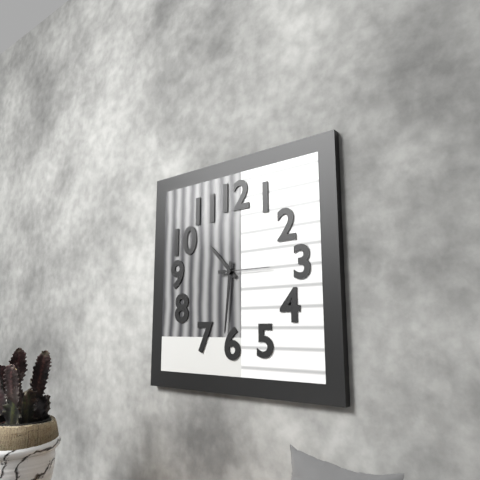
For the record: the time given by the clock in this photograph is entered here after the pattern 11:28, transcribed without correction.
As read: 10:31
